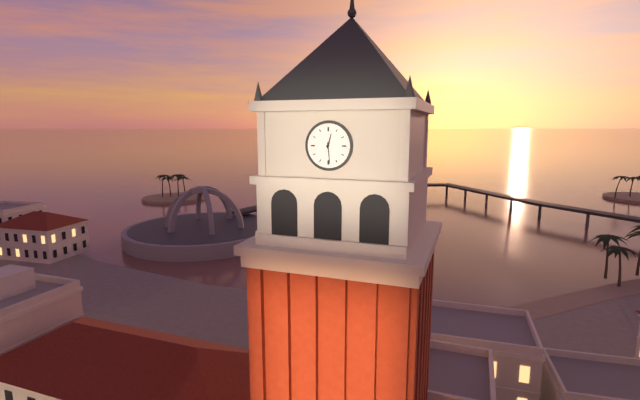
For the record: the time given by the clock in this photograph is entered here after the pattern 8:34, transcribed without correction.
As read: 12:29
